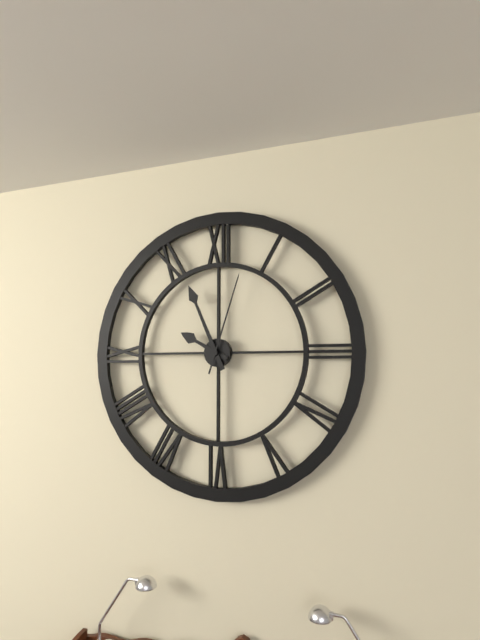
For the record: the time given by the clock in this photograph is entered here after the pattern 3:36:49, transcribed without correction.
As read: 9:56:03
